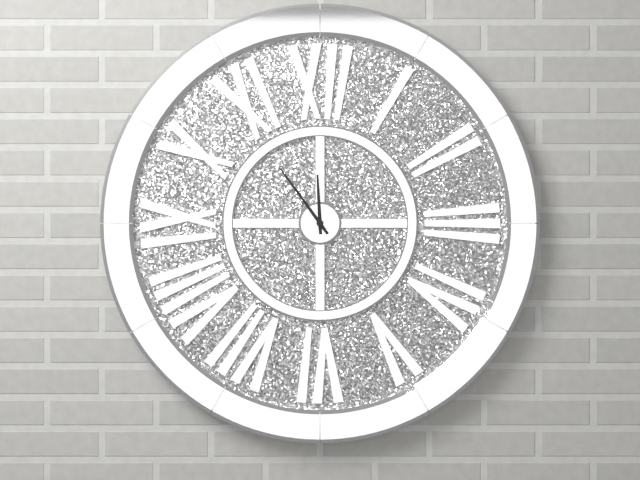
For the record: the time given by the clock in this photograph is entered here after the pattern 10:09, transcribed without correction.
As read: 11:54
